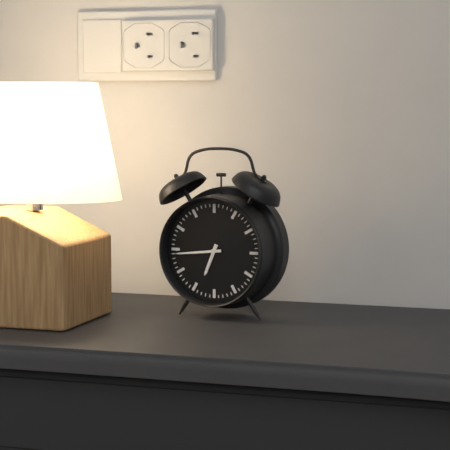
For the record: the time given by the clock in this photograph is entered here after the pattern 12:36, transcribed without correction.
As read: 6:44
